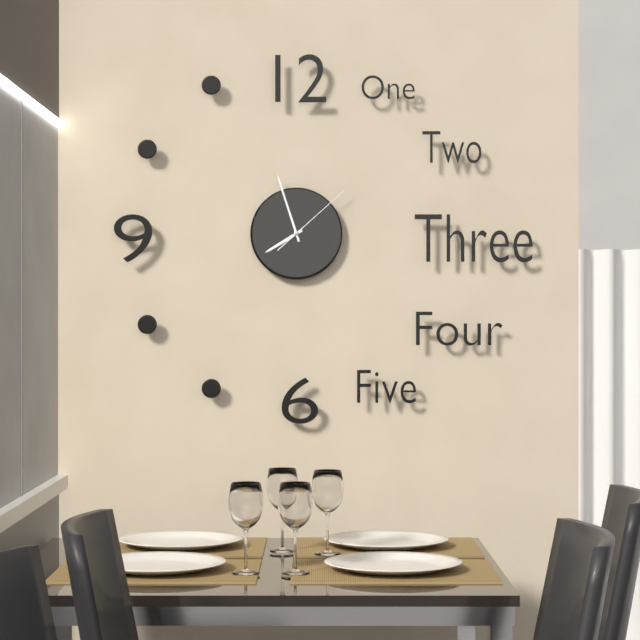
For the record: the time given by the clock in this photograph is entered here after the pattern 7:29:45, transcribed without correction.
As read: 7:57:08
